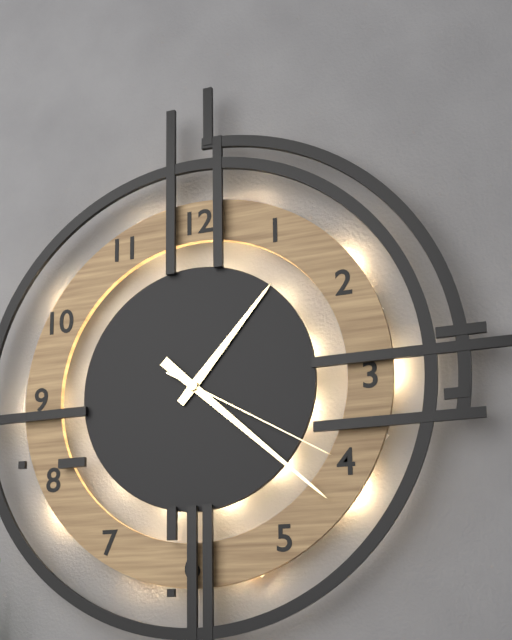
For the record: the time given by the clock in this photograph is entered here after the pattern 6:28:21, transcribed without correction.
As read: 1:22:20
